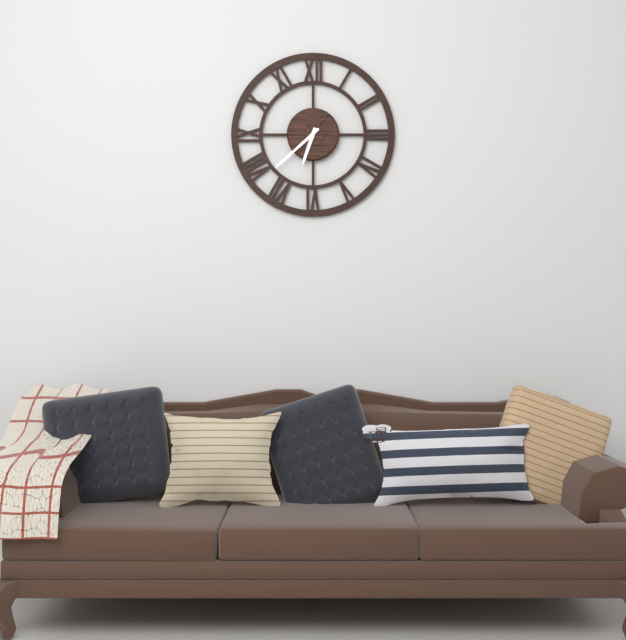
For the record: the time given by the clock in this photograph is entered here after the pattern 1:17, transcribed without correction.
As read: 6:38
